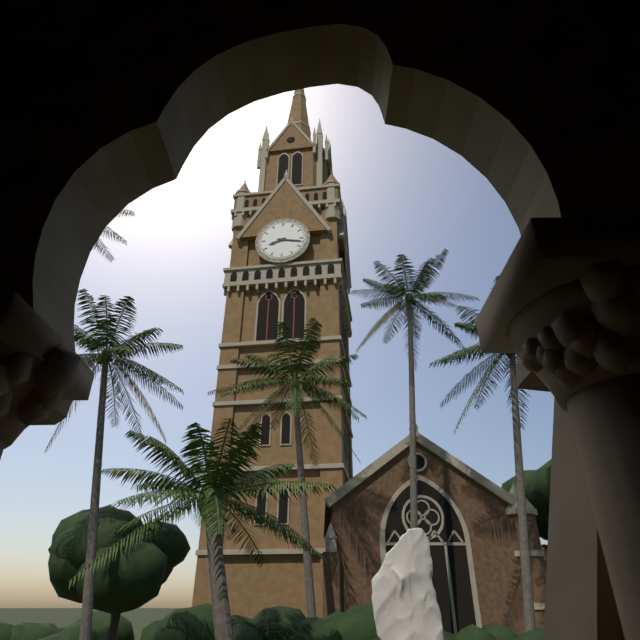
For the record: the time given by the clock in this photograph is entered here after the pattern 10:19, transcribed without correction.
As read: 8:17
